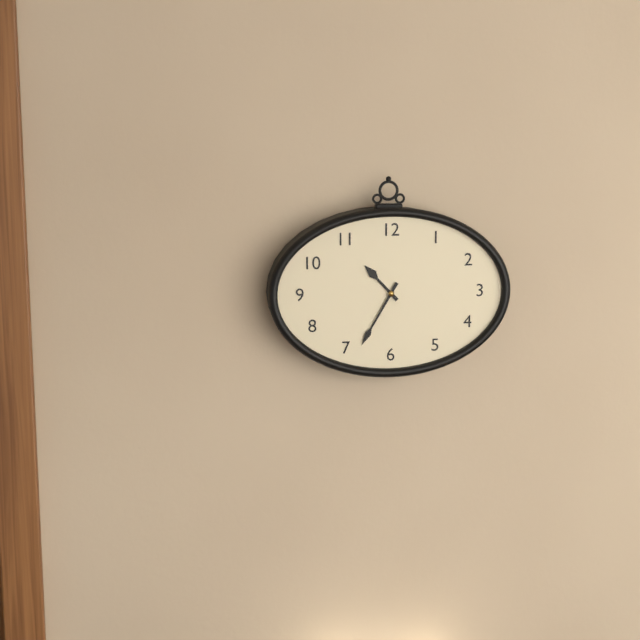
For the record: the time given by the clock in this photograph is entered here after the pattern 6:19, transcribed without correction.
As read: 10:35
